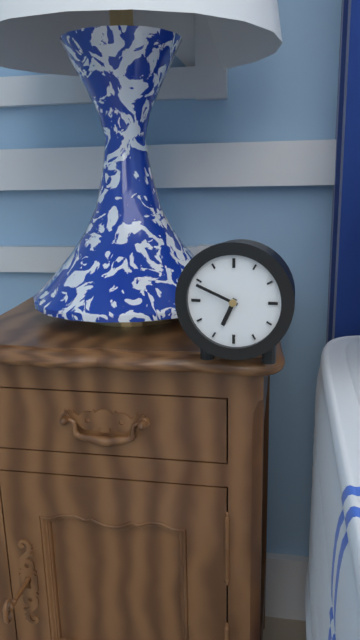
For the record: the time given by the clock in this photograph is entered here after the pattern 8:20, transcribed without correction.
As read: 6:49
